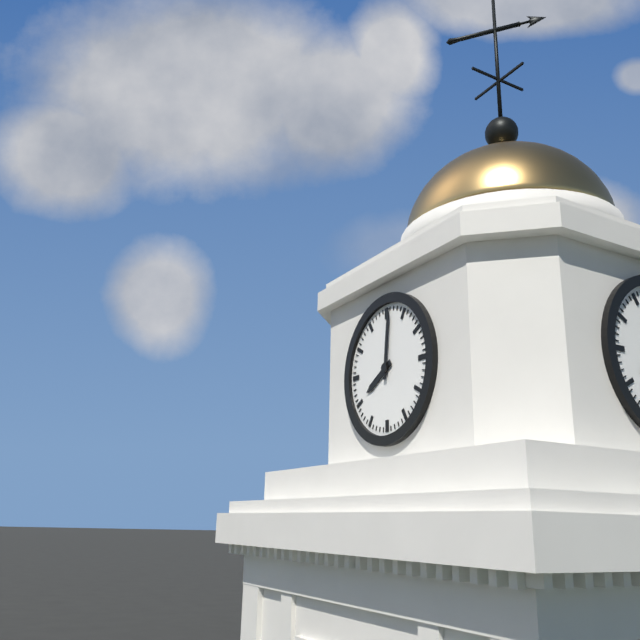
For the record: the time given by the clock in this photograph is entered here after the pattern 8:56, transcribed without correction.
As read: 8:01
